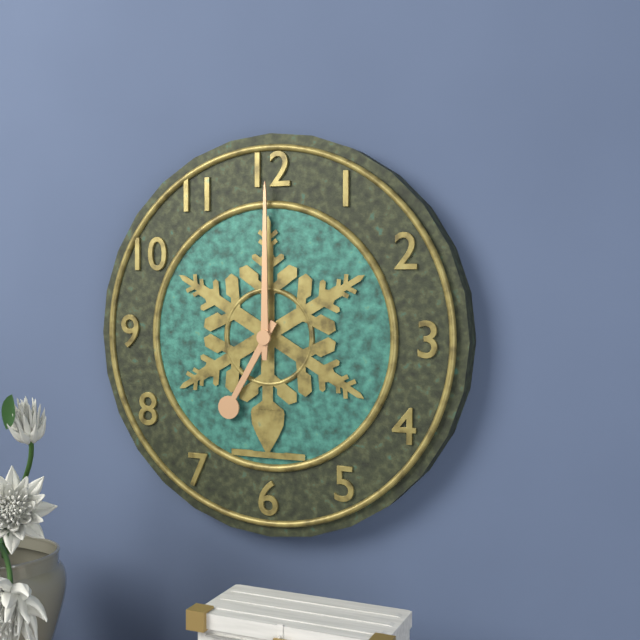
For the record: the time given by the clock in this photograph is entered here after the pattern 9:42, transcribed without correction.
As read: 7:00
